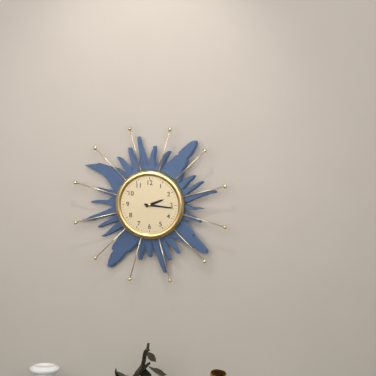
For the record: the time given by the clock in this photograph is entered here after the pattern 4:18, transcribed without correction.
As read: 2:16
